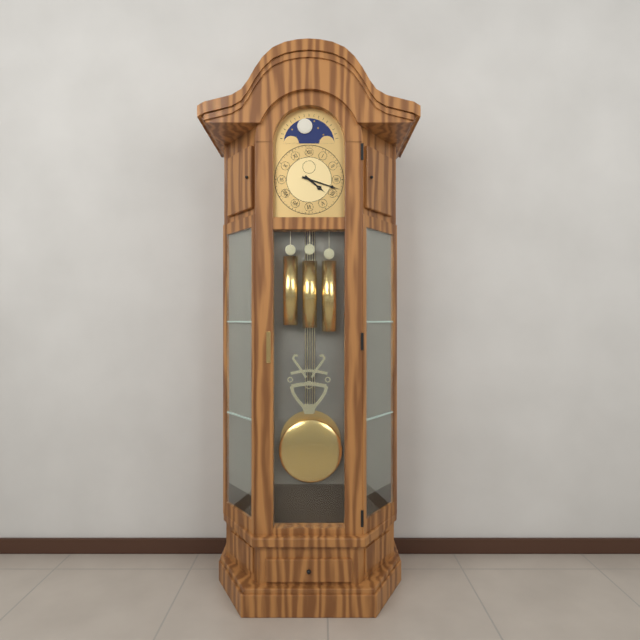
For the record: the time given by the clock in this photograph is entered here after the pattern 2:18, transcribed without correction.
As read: 4:18
